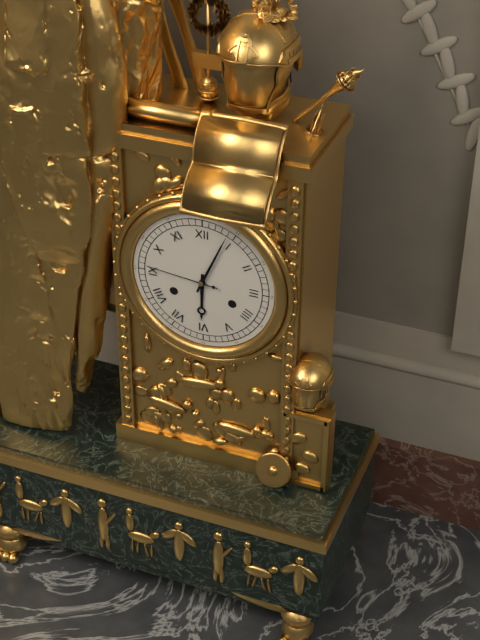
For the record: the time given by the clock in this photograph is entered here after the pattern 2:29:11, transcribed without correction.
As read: 6:04:46
